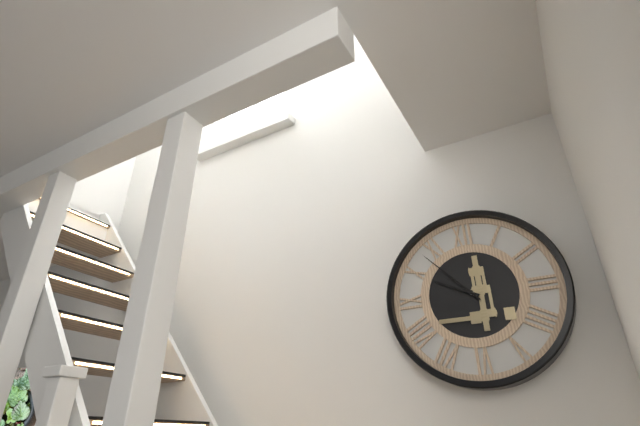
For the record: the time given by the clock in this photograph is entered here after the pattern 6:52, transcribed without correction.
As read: 9:53
